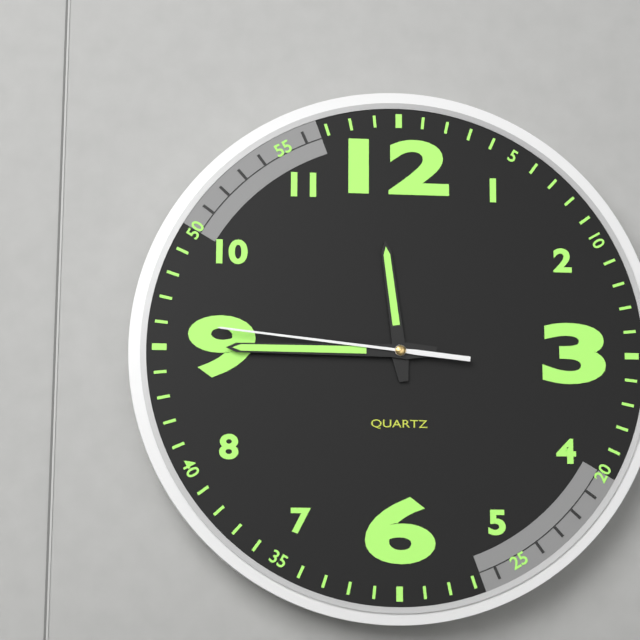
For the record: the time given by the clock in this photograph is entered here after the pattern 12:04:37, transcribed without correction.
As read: 11:45:46
